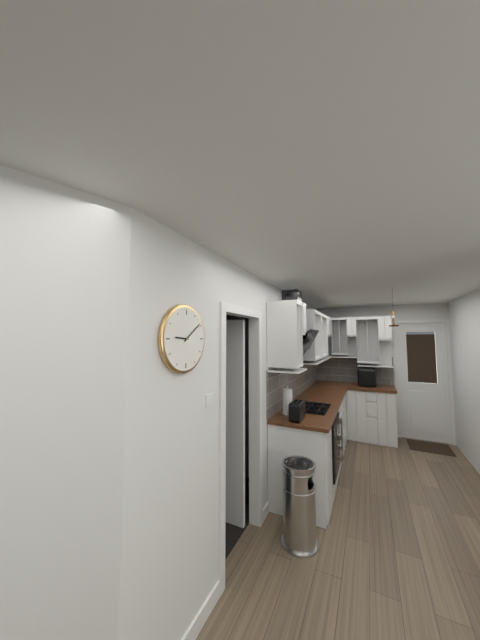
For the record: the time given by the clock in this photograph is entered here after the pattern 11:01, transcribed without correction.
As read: 9:09
